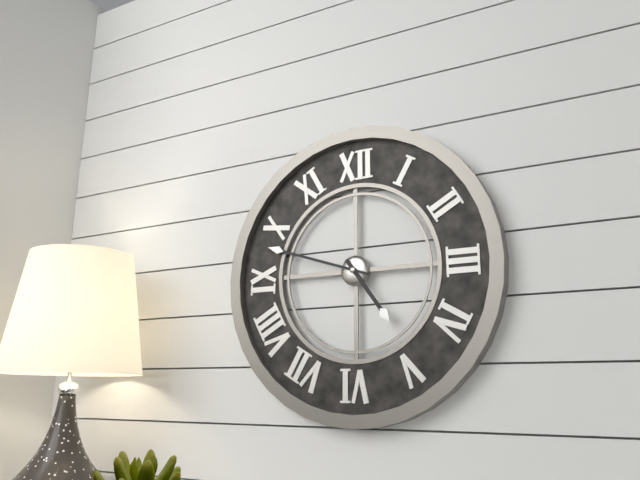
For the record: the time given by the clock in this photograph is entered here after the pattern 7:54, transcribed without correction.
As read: 4:48
